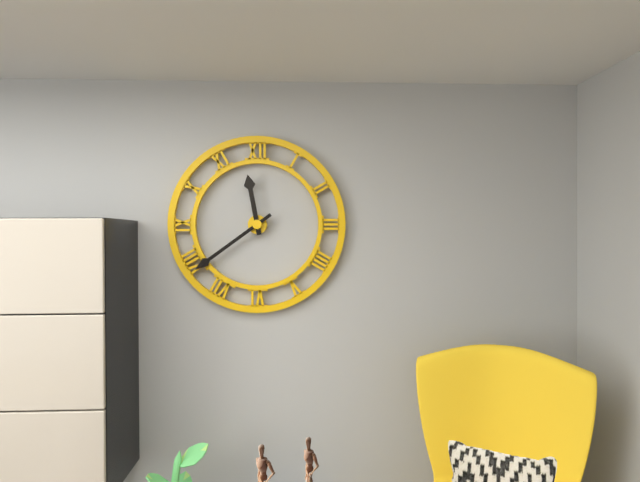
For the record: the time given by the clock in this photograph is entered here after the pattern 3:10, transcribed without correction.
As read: 11:39
